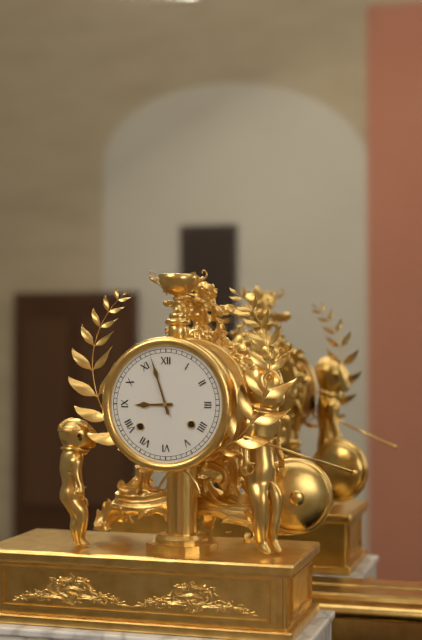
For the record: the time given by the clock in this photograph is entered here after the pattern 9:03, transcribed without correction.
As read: 8:57
